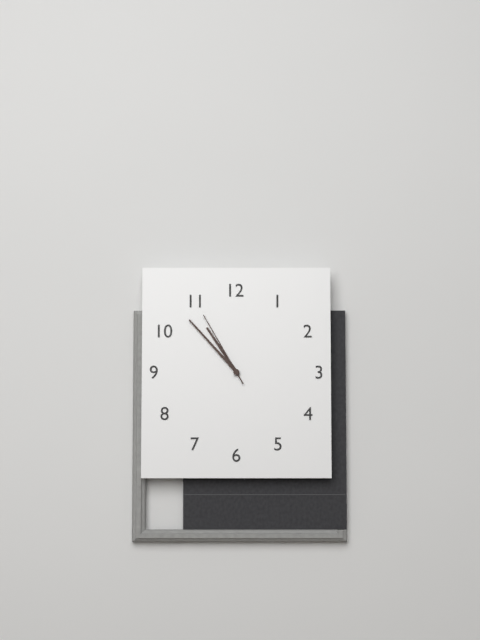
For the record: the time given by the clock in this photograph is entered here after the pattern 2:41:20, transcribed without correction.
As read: 10:53:55
